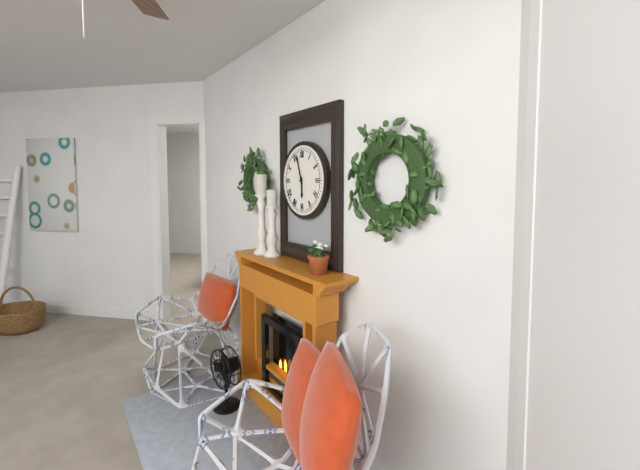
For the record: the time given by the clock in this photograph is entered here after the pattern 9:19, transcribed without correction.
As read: 5:57
